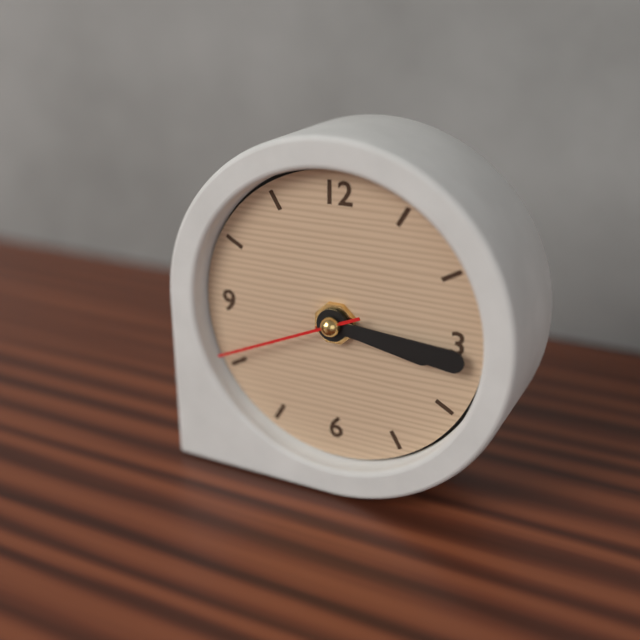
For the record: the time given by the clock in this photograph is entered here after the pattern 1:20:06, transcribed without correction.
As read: 3:16:41
